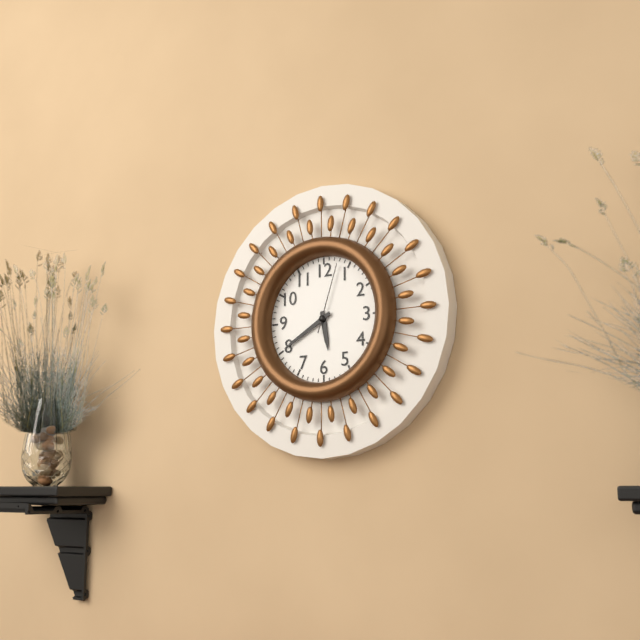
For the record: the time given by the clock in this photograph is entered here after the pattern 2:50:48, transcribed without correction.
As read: 5:40:03
